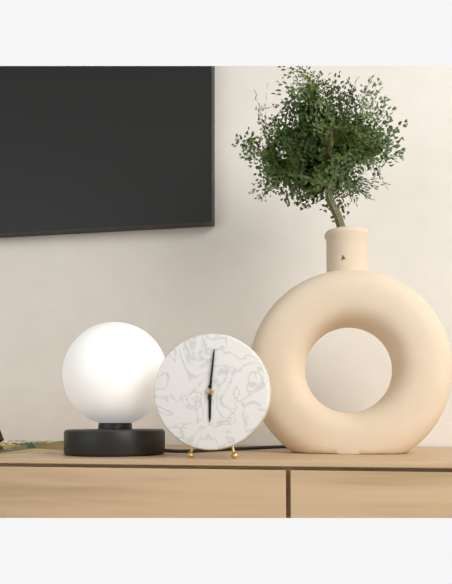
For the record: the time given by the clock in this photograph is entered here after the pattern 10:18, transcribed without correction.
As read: 6:01
